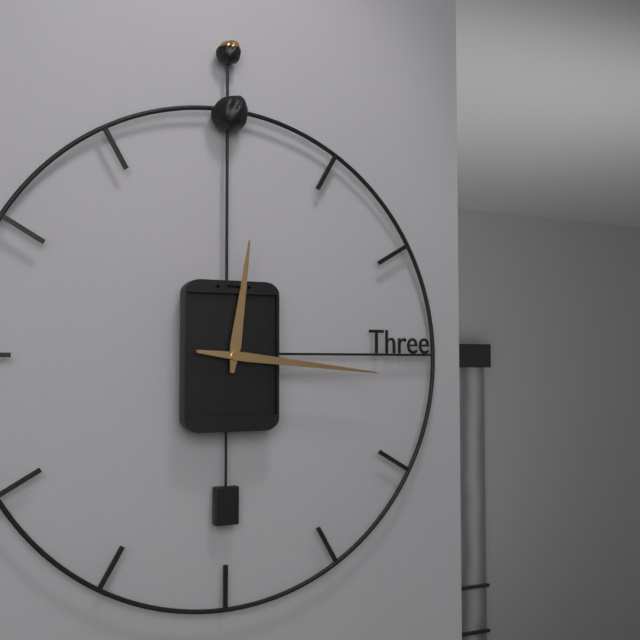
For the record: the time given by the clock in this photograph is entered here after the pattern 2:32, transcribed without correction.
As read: 12:16
